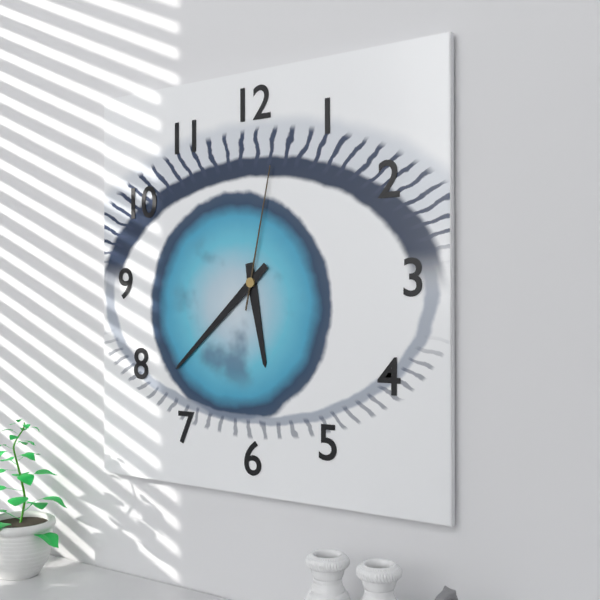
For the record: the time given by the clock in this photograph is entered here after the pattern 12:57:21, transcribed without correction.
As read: 5:38:02
